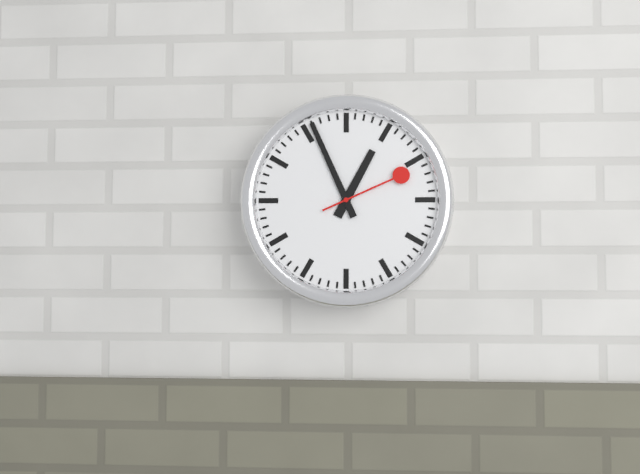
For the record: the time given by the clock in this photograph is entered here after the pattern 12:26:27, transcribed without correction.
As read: 12:56:11
